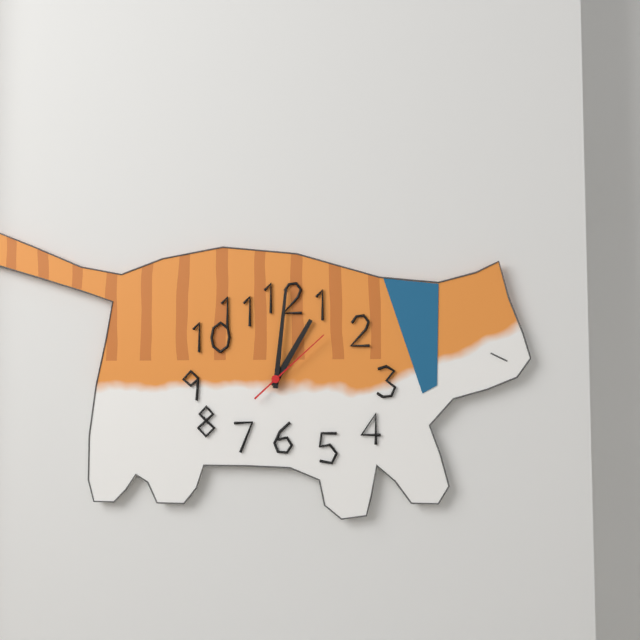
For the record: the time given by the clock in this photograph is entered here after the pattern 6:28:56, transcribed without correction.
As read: 1:01:08
